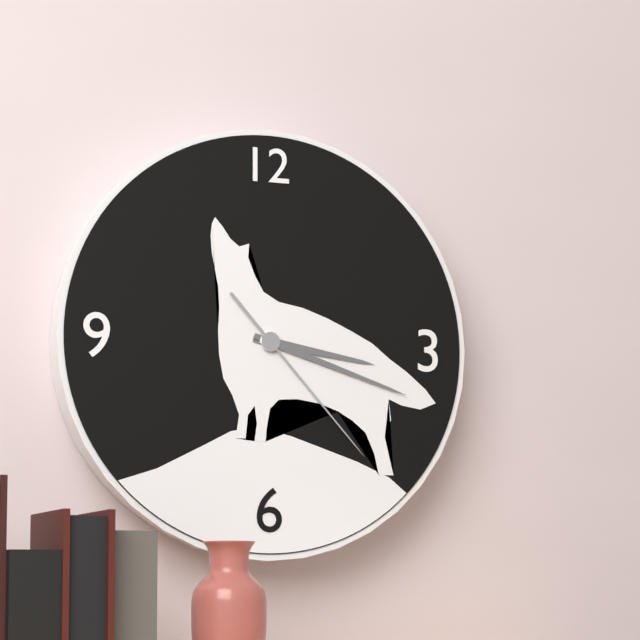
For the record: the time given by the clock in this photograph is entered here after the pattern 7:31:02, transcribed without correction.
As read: 3:18:23
